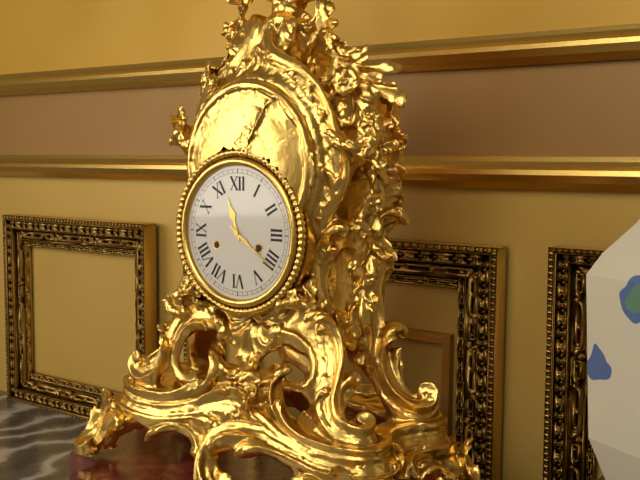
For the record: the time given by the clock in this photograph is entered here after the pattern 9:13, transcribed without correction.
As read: 11:21
